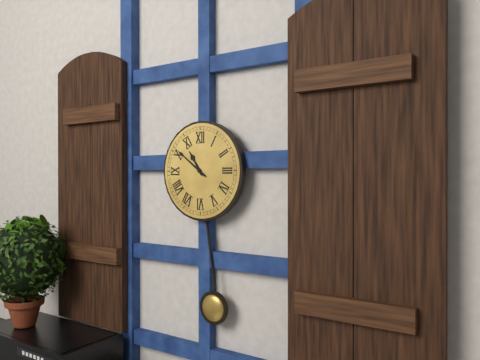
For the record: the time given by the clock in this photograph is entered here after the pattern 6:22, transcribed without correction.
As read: 10:51
